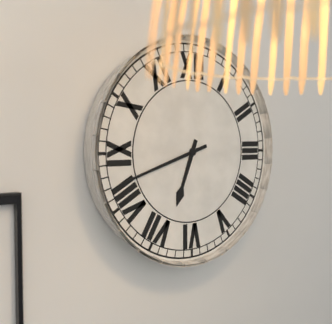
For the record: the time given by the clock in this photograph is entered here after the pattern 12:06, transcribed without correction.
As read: 6:42
